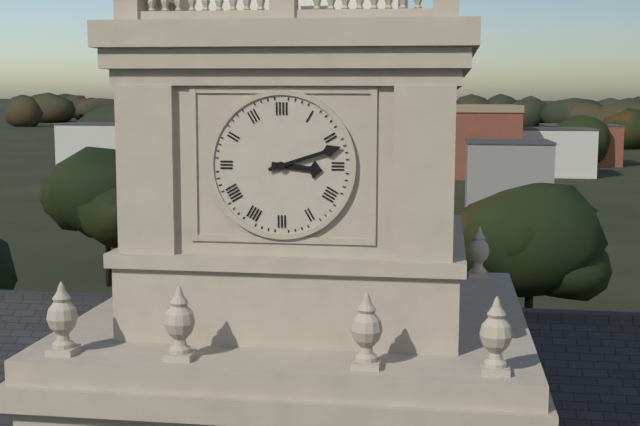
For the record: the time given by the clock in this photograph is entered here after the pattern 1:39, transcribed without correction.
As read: 3:12
